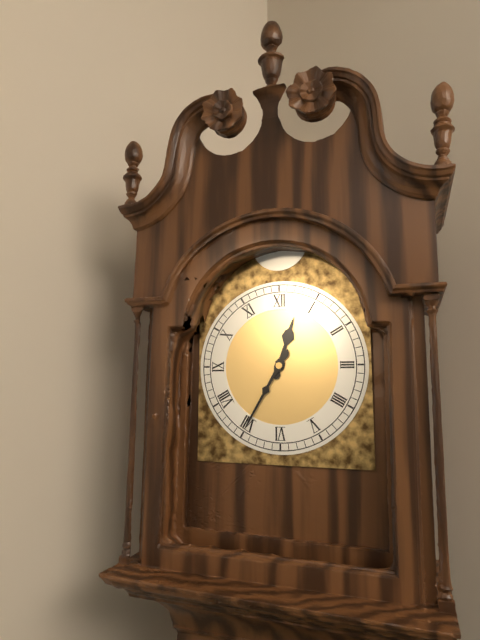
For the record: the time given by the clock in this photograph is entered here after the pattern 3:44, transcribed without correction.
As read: 12:35
